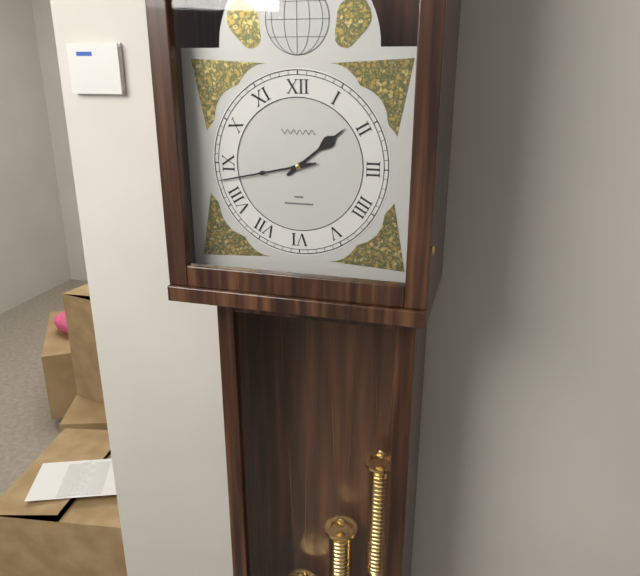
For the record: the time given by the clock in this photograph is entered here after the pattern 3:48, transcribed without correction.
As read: 1:43
